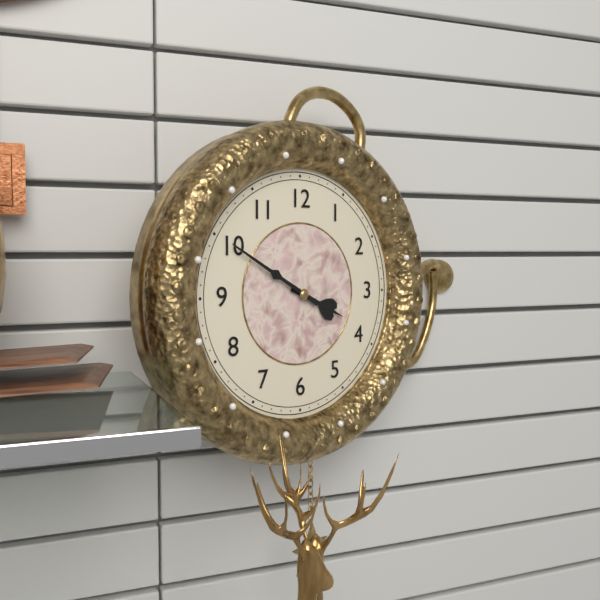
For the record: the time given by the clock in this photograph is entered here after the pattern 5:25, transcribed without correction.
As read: 3:50
